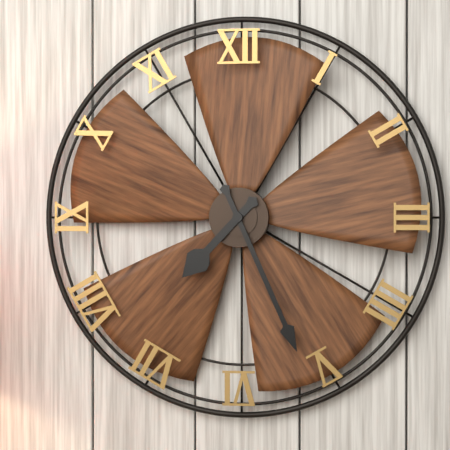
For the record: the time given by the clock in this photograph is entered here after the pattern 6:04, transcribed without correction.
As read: 7:26
